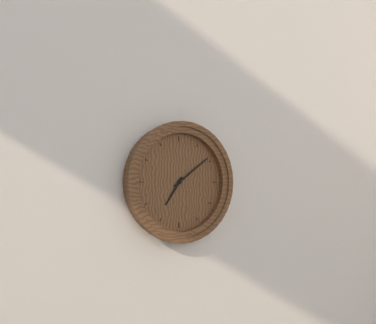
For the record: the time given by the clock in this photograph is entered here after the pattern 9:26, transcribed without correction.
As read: 7:09
